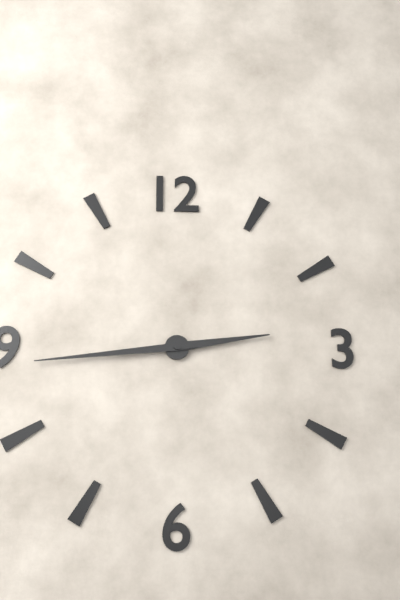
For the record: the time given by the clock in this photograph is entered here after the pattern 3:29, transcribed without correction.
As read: 2:44
